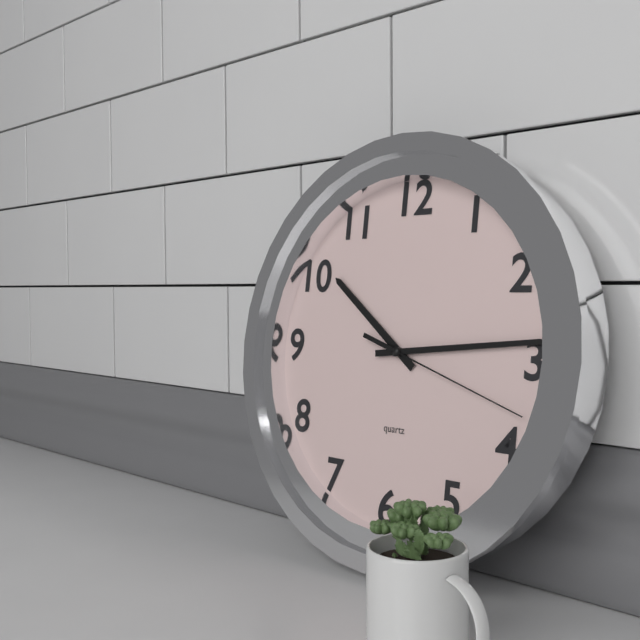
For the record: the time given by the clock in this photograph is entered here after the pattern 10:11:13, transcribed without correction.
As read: 10:14:18
